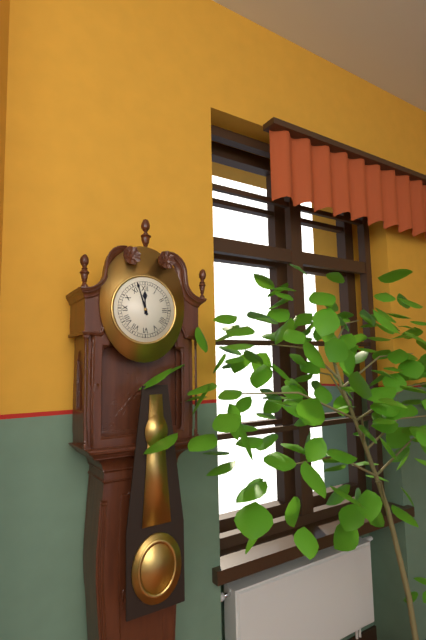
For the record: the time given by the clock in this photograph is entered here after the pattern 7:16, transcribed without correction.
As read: 11:57
